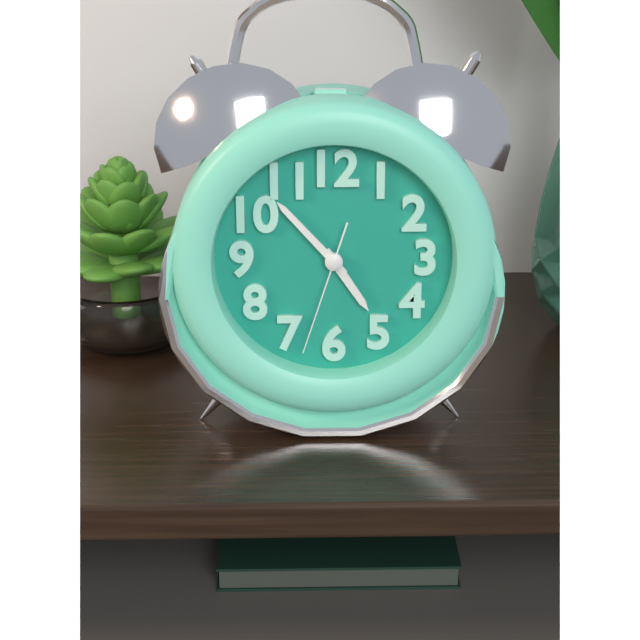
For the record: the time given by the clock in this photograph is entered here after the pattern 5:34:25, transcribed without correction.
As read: 4:53:33
